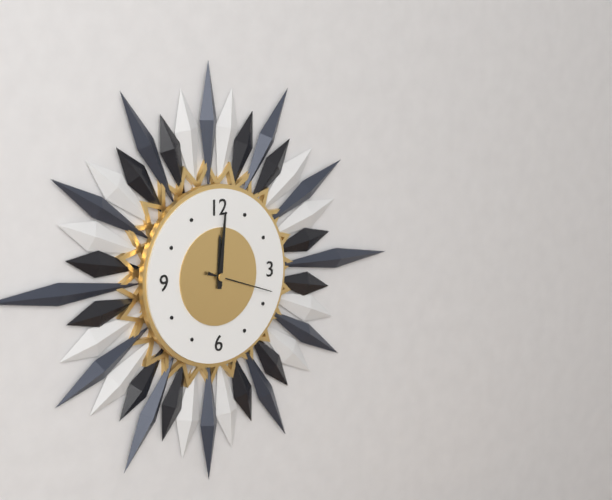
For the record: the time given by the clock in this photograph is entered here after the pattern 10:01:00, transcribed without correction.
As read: 12:01:18
